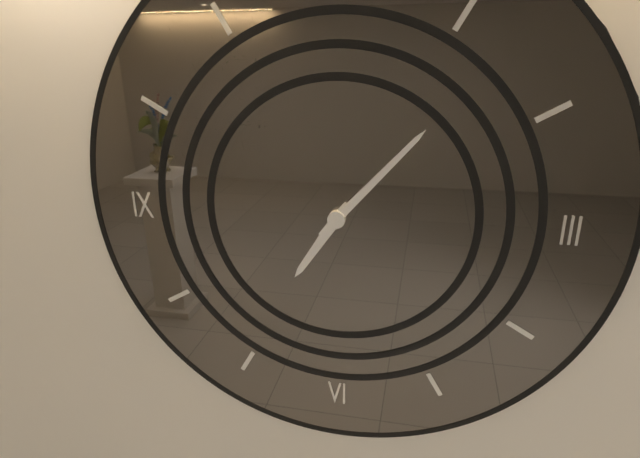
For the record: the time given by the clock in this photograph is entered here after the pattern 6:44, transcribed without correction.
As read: 7:07
